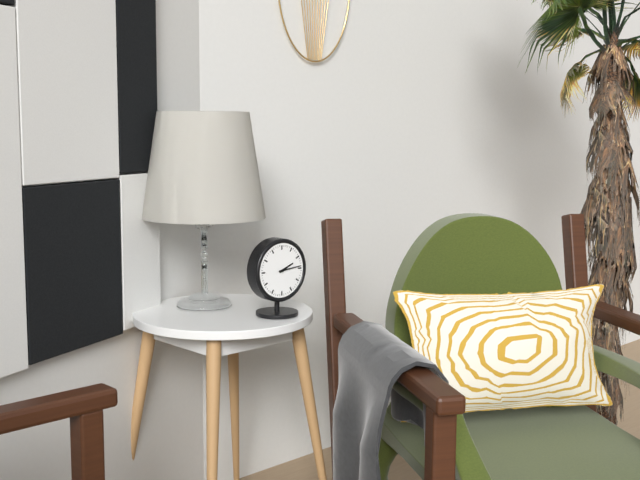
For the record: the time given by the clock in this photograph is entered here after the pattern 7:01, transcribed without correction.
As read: 2:14
